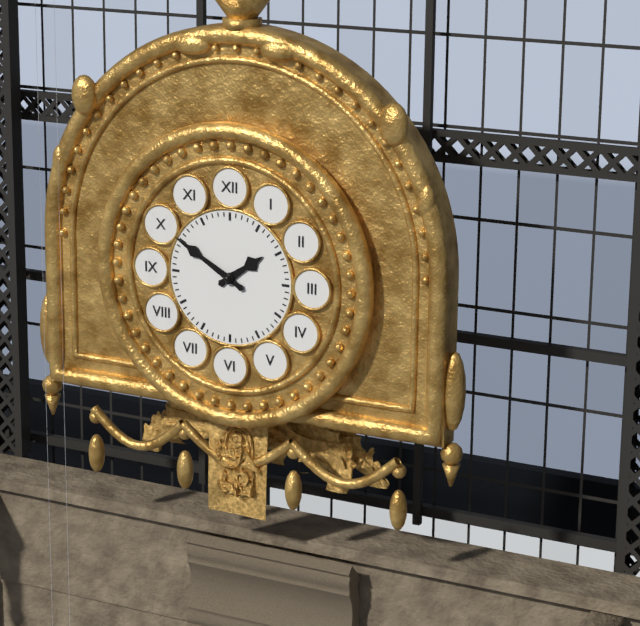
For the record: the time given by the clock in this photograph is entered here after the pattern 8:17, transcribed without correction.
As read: 1:50
